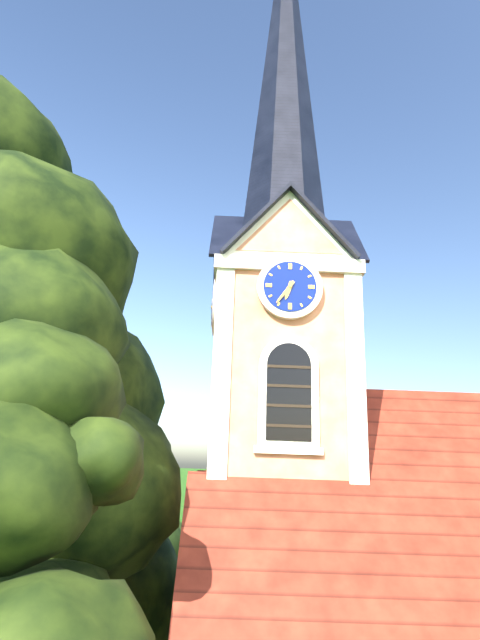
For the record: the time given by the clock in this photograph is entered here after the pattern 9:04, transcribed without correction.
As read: 6:36
